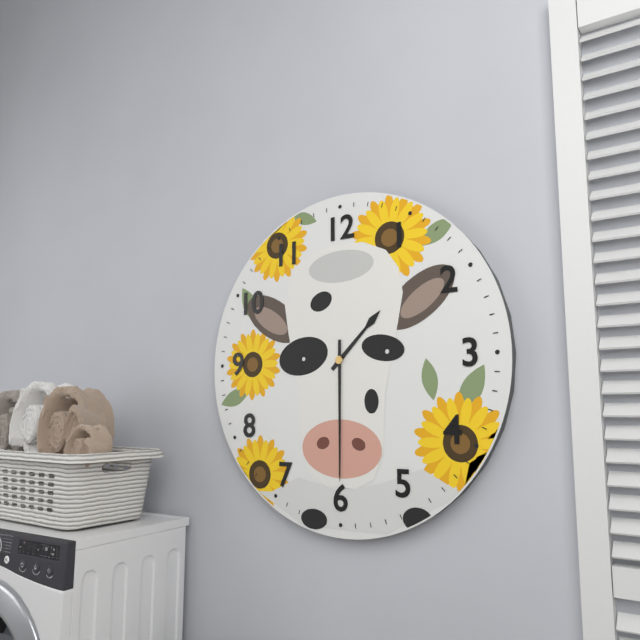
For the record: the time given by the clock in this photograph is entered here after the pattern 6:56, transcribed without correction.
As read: 1:30
